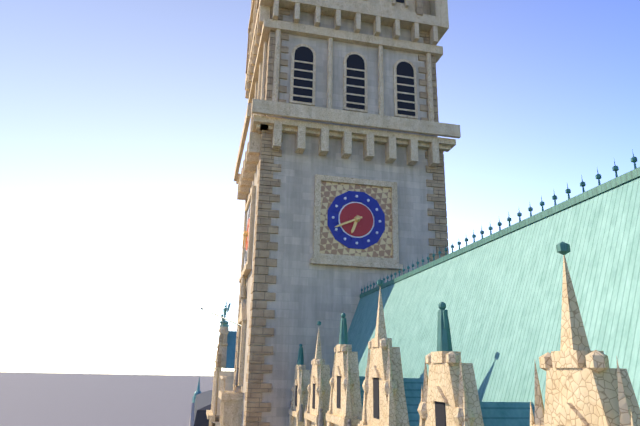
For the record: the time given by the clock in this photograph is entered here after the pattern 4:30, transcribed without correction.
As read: 6:41
